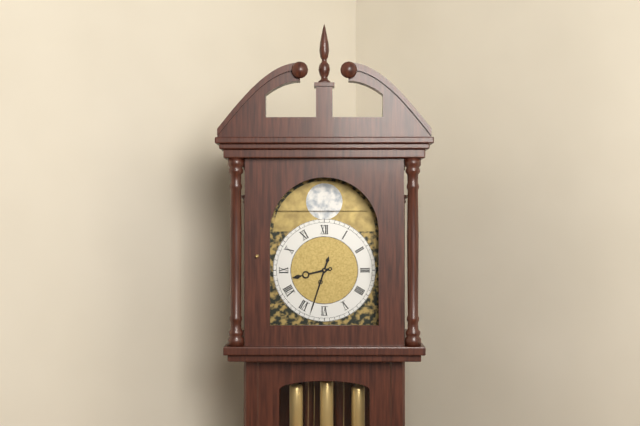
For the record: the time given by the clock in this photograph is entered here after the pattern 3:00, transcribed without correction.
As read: 8:33
